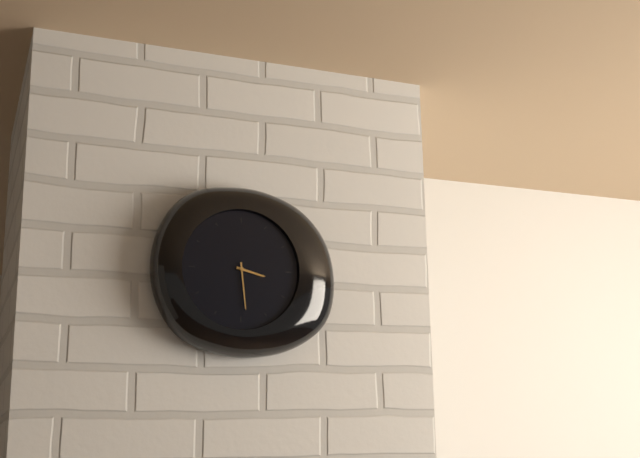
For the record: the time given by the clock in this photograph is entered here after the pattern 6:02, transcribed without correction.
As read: 3:29
